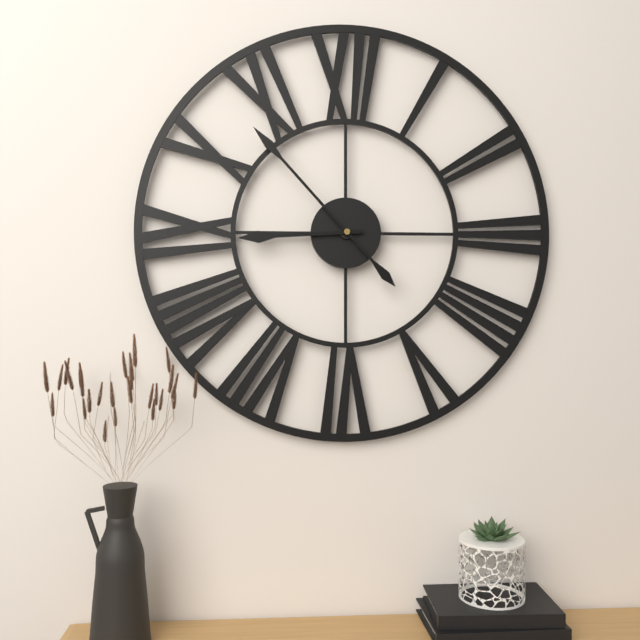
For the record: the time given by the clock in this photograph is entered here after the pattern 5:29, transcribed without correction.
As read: 8:53
